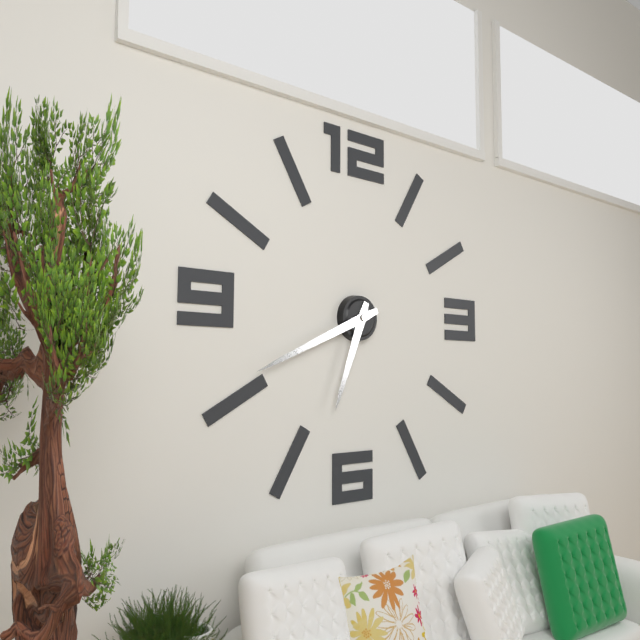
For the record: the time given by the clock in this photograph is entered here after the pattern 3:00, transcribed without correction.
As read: 6:41
